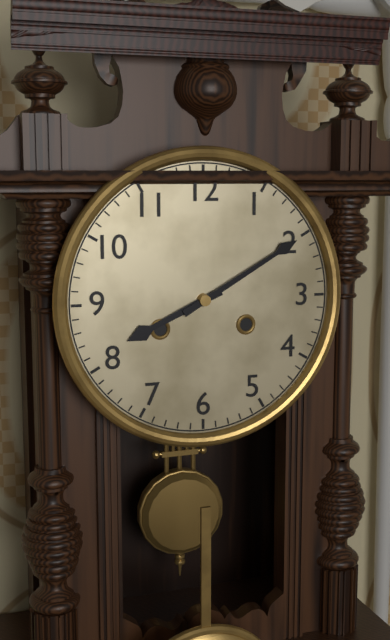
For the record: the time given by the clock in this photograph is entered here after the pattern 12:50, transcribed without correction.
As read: 8:10
